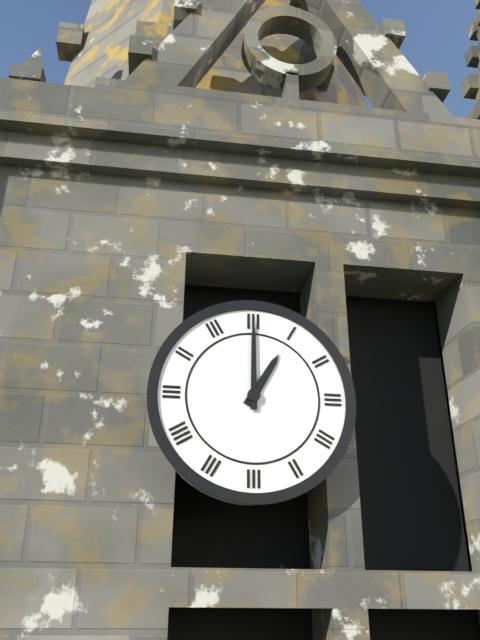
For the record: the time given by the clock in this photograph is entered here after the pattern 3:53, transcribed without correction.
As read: 1:00
